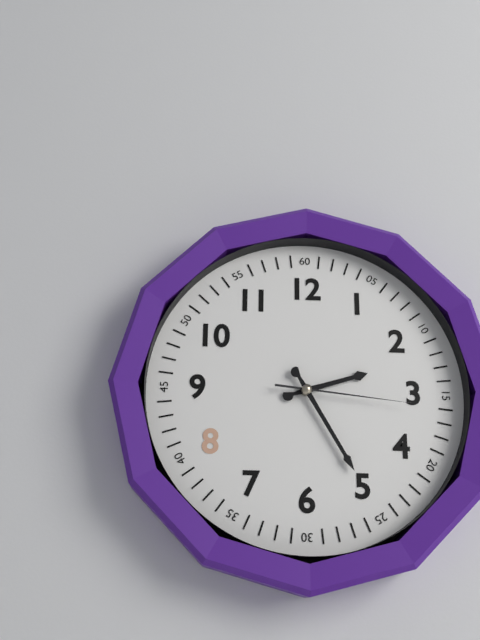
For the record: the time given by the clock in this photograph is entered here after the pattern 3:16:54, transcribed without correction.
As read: 2:25:16
